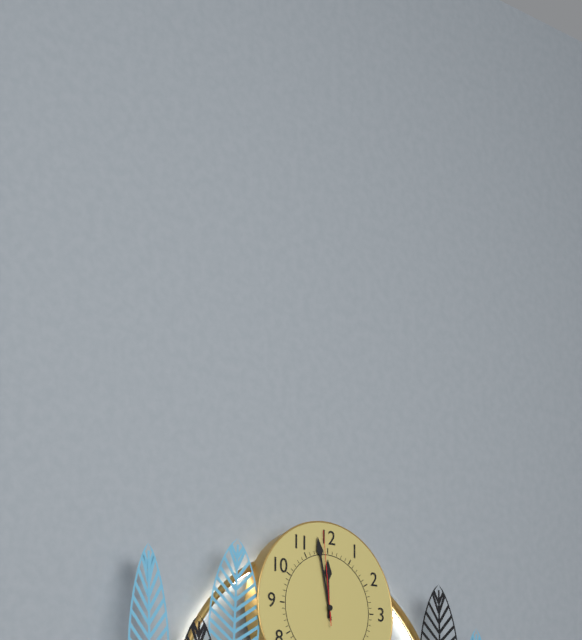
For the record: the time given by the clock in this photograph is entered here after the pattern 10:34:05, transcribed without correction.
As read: 11:58:59
